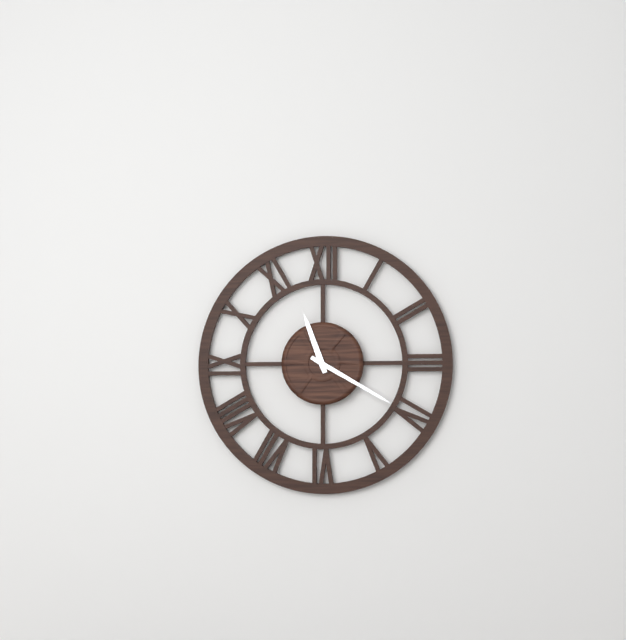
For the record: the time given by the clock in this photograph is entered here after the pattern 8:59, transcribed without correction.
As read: 11:20
